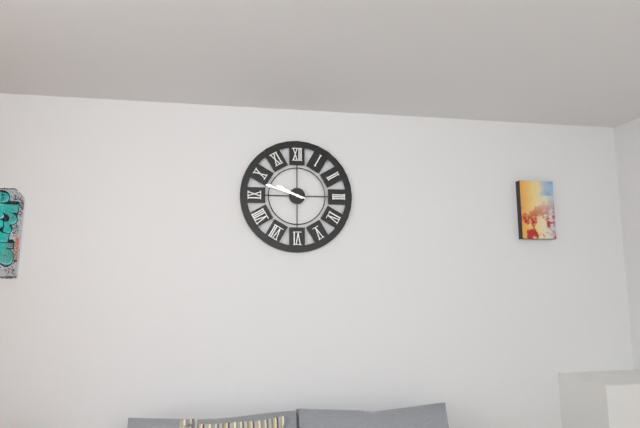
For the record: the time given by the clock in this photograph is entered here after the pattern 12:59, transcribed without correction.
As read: 9:48
